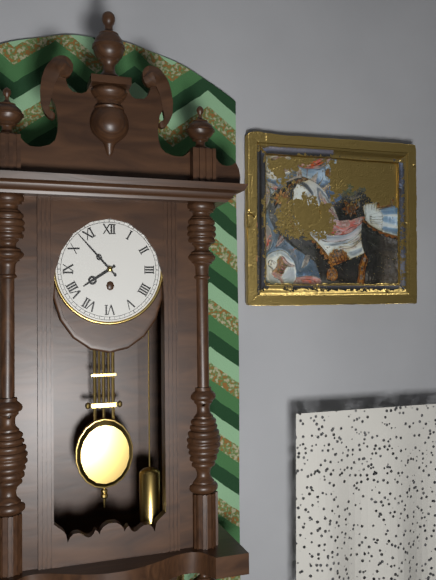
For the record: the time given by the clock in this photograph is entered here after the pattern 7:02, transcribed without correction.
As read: 7:53
